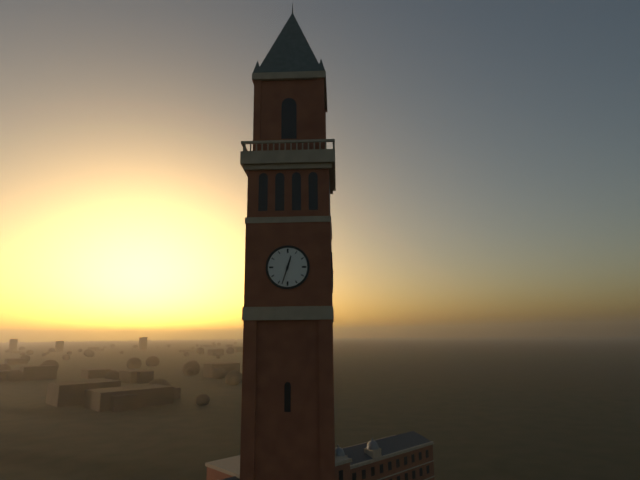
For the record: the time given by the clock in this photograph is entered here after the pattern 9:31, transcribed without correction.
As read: 12:33
